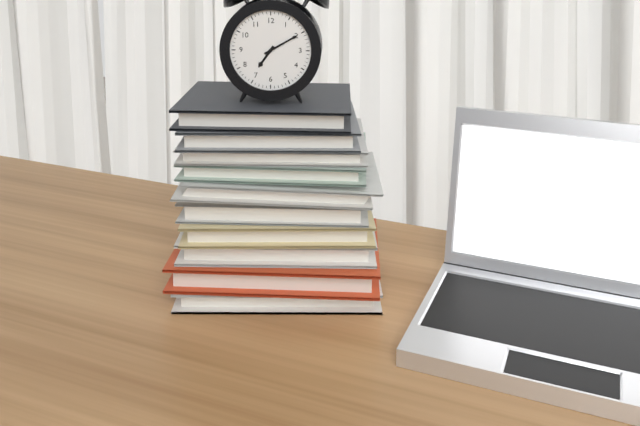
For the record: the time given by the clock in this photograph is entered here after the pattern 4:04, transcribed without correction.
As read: 7:10
